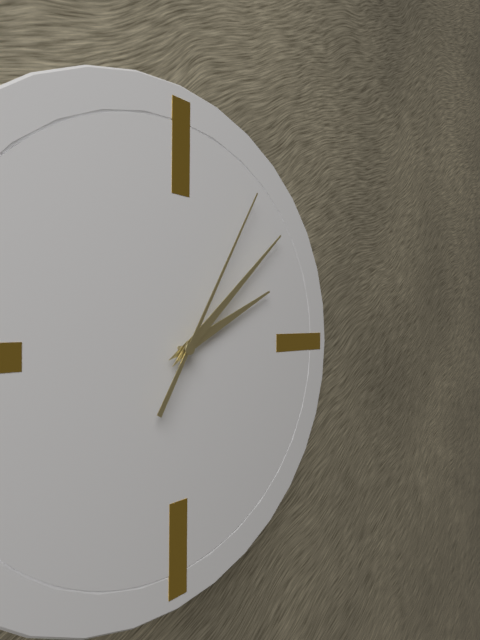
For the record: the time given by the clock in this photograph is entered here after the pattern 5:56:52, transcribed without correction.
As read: 2:08:05
